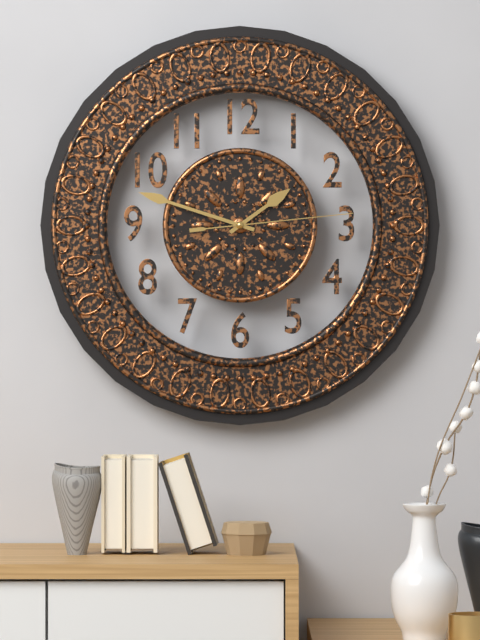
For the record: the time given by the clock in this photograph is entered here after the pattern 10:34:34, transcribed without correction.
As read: 1:48:14
